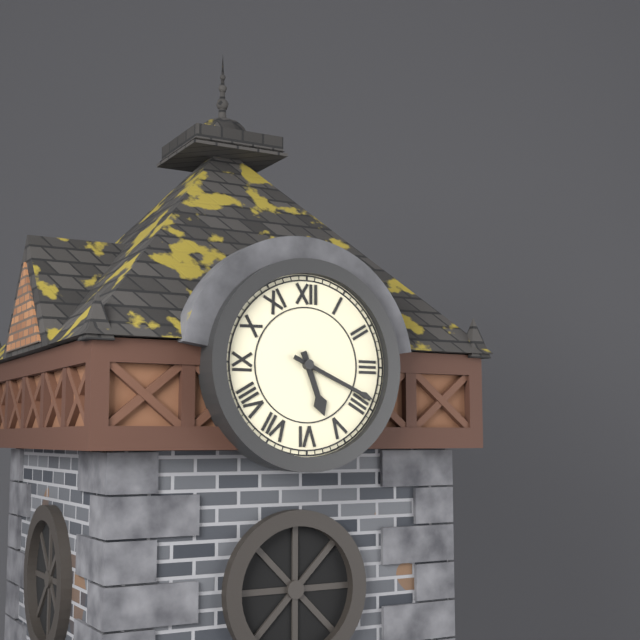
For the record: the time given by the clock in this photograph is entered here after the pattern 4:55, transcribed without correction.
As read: 5:19
